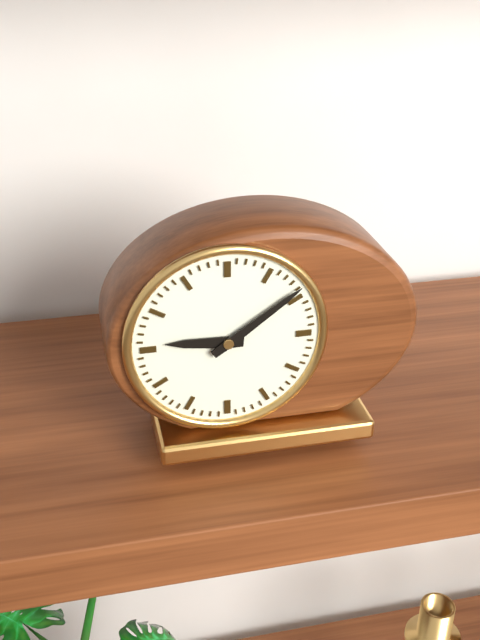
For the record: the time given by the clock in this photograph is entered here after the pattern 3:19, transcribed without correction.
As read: 9:09
